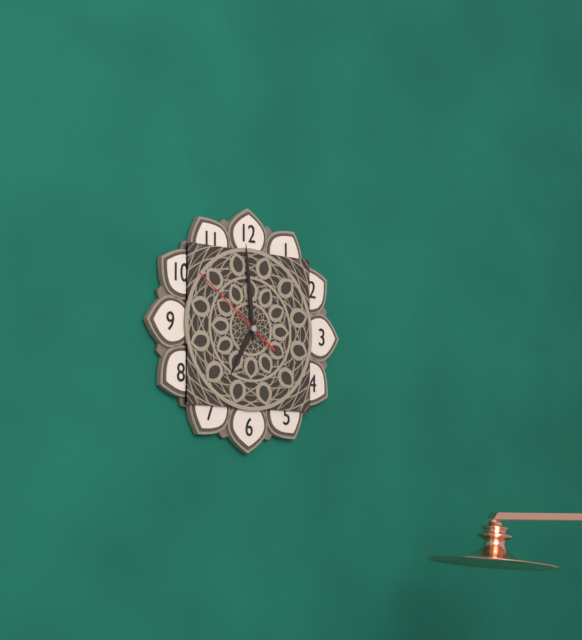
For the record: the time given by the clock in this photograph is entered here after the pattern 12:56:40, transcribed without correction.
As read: 6:59:51
